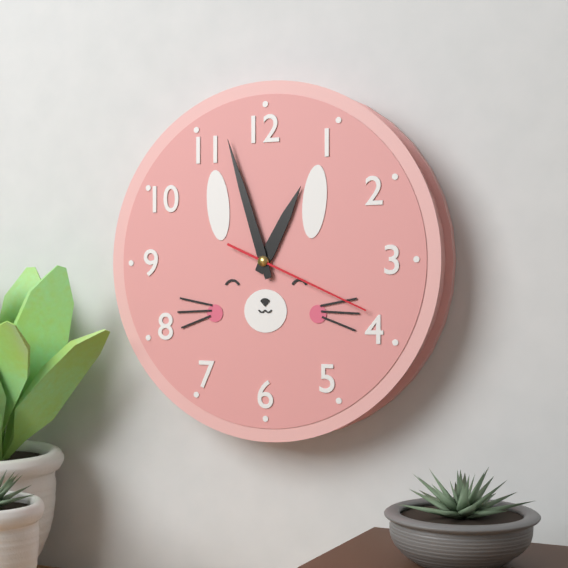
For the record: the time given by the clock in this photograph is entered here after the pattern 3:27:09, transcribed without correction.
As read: 12:57:19
